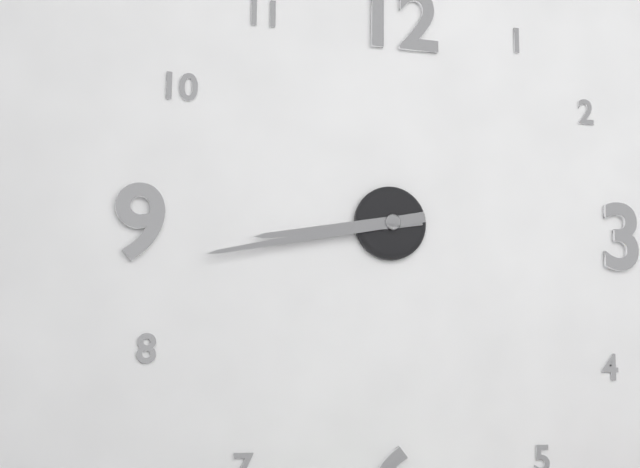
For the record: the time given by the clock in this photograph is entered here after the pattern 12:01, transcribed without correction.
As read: 8:43
